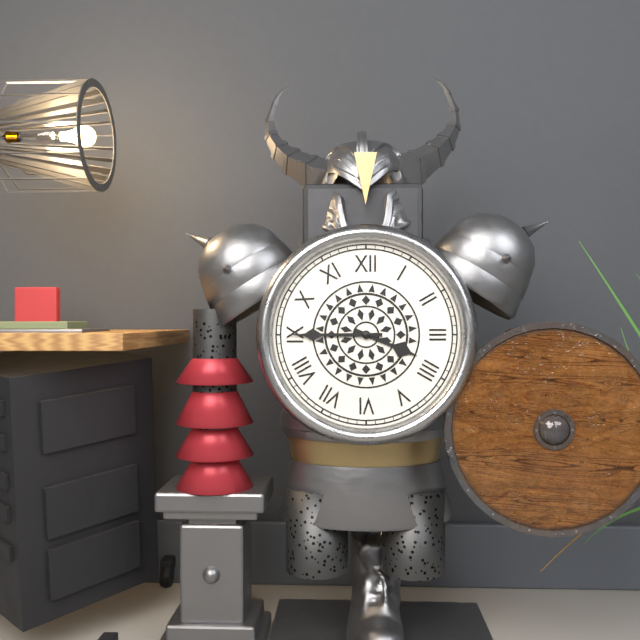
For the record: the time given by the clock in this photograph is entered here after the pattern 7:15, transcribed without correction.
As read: 3:45
